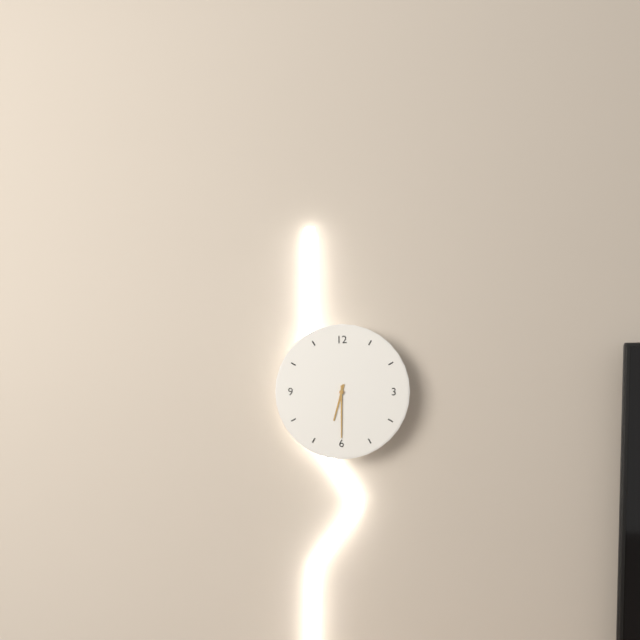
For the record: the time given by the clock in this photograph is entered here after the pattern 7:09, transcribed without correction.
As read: 6:30
